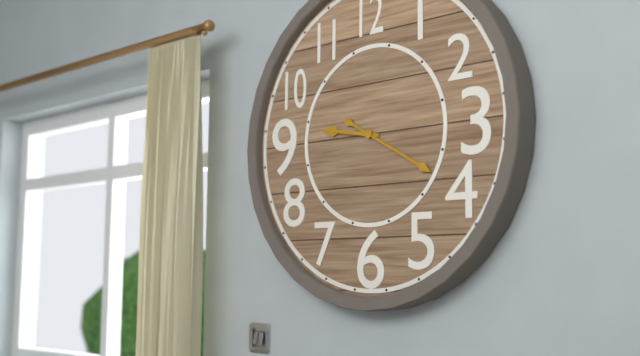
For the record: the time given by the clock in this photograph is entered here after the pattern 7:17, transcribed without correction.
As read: 9:20
